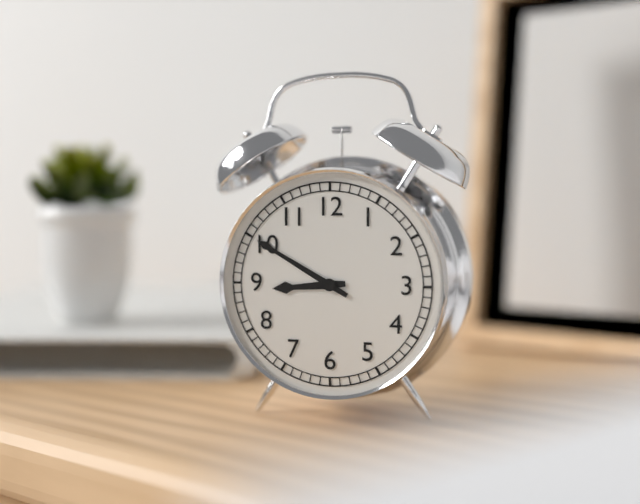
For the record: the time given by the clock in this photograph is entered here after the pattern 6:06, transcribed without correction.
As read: 8:50
